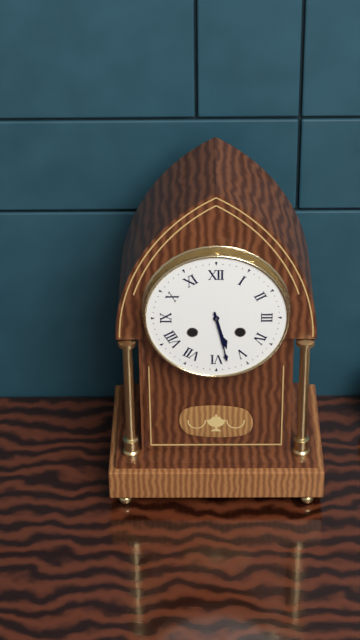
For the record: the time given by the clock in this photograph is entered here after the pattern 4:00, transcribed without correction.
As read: 5:28
